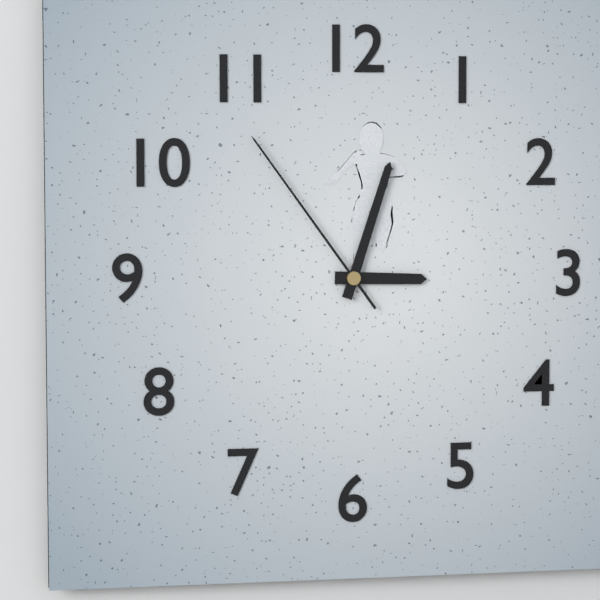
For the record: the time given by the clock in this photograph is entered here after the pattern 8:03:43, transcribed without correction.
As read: 3:03:54
